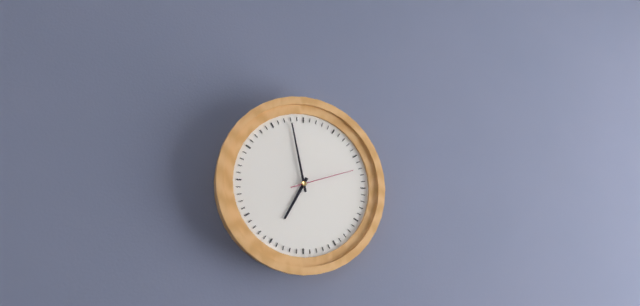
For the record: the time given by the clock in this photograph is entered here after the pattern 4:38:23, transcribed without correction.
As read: 6:58:12
